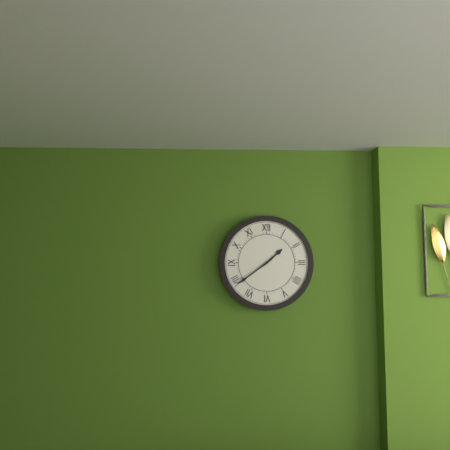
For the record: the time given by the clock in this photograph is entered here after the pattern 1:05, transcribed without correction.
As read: 1:39
